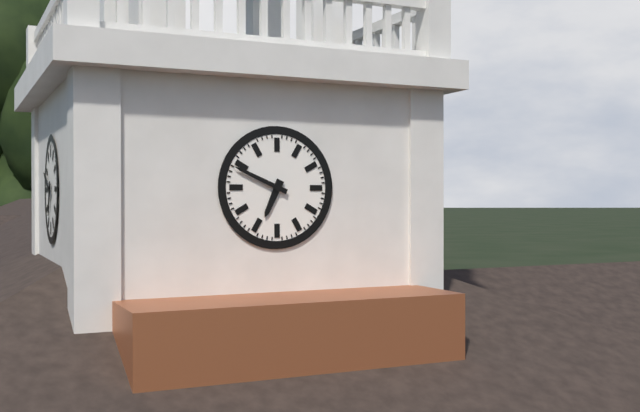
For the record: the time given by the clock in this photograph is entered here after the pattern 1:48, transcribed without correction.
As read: 6:49
